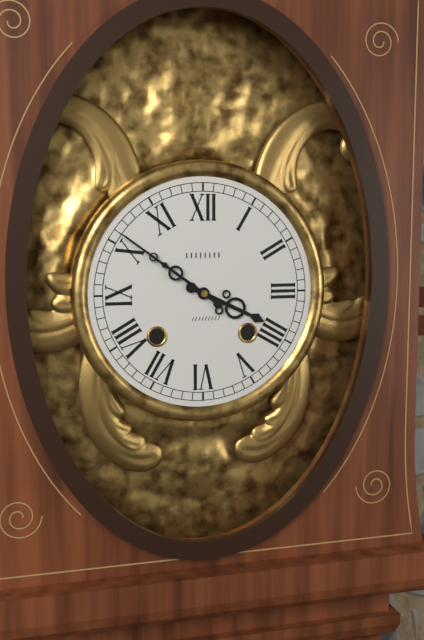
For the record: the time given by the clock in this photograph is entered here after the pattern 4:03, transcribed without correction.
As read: 3:51
